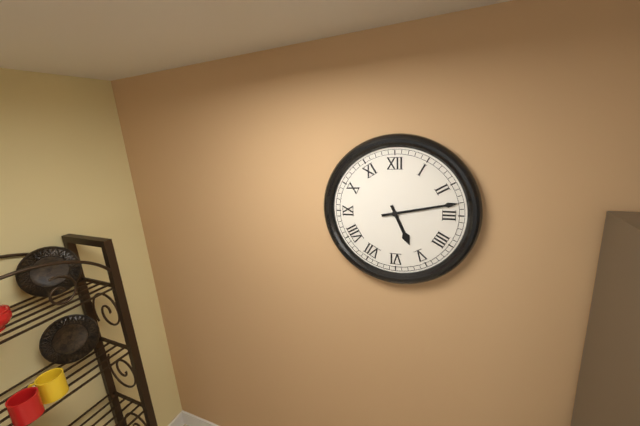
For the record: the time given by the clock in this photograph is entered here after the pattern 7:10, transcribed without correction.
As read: 5:13
